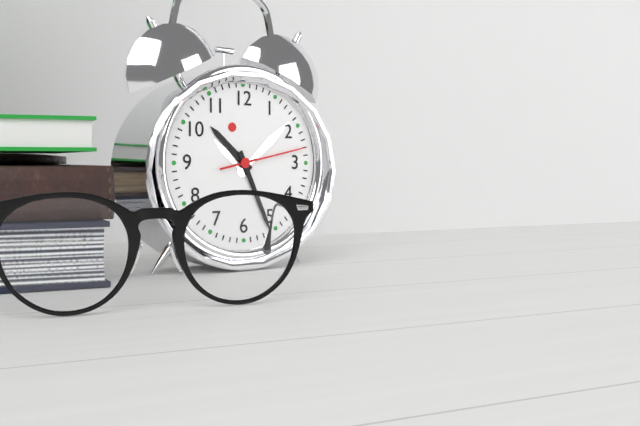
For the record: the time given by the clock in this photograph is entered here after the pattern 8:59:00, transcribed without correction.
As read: 10:26:13
